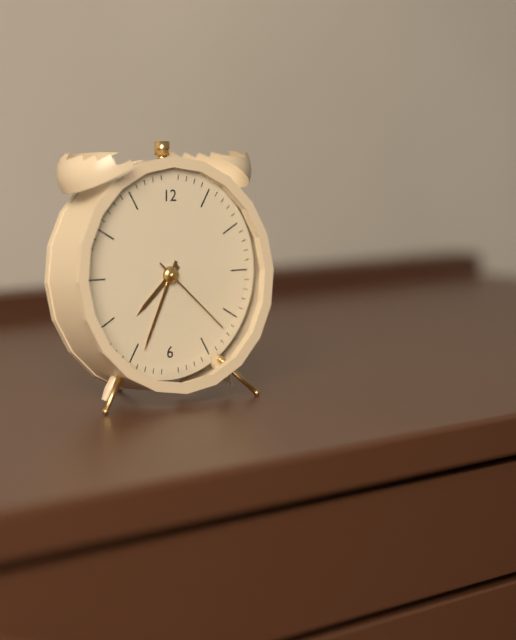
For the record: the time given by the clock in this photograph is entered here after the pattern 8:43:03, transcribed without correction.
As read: 7:34:22
